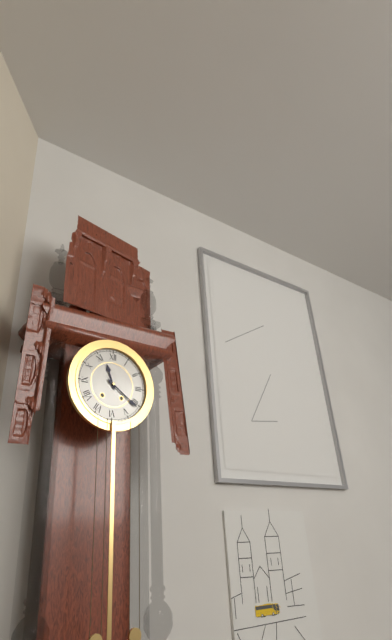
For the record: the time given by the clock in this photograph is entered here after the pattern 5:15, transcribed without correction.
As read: 11:21
